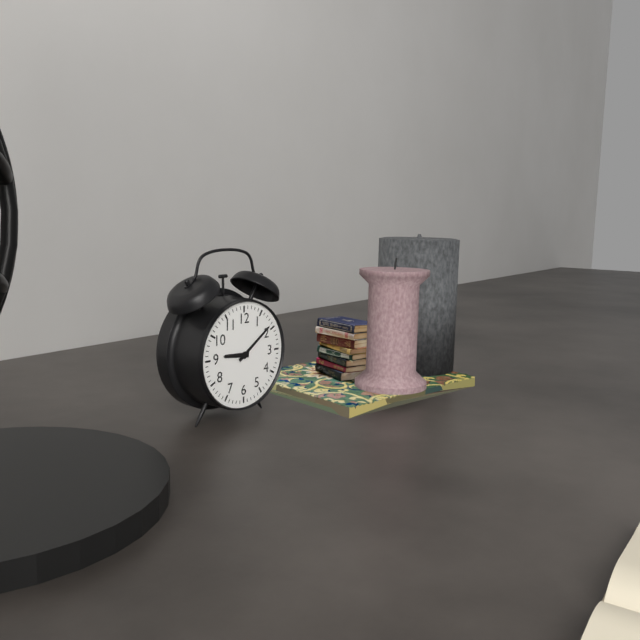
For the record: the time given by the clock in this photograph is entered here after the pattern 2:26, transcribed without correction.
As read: 9:09
